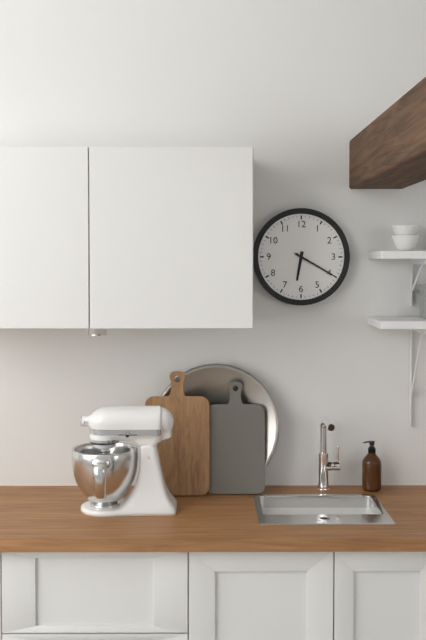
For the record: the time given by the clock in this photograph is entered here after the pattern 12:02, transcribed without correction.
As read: 6:20
